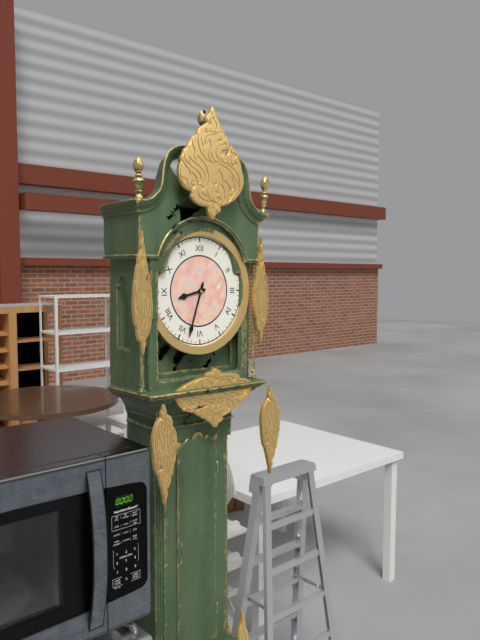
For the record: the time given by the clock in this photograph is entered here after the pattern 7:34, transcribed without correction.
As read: 8:33
